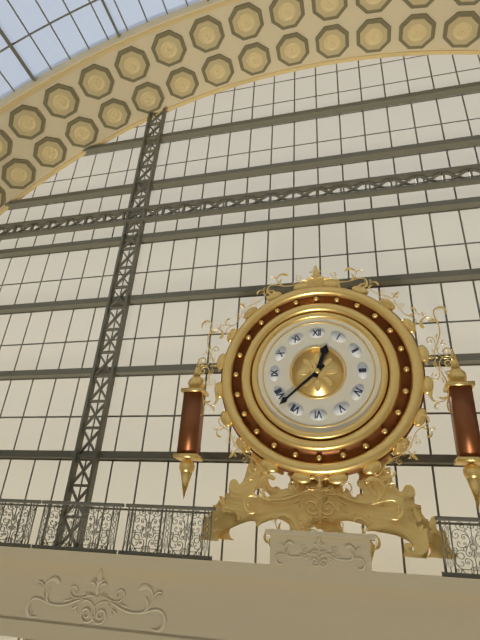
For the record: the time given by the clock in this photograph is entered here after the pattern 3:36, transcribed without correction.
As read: 12:38
